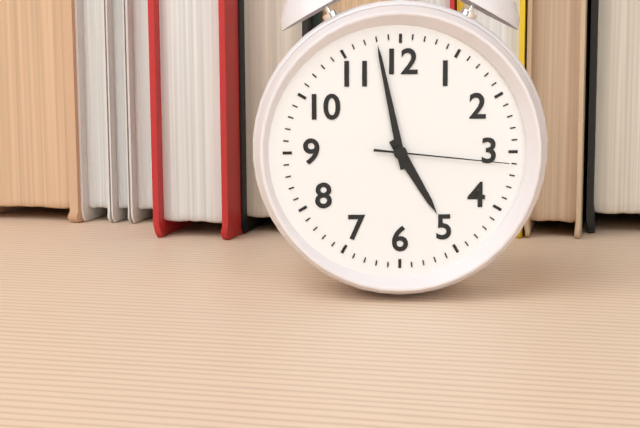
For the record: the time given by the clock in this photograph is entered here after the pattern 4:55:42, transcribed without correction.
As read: 4:58:16
